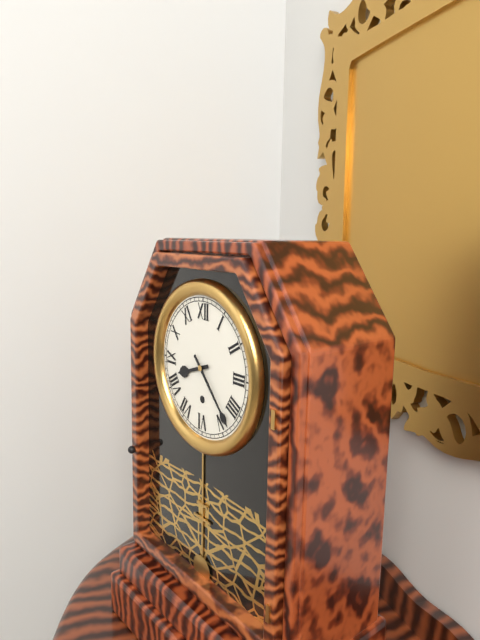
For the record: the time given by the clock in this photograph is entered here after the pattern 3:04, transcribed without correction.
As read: 8:23
